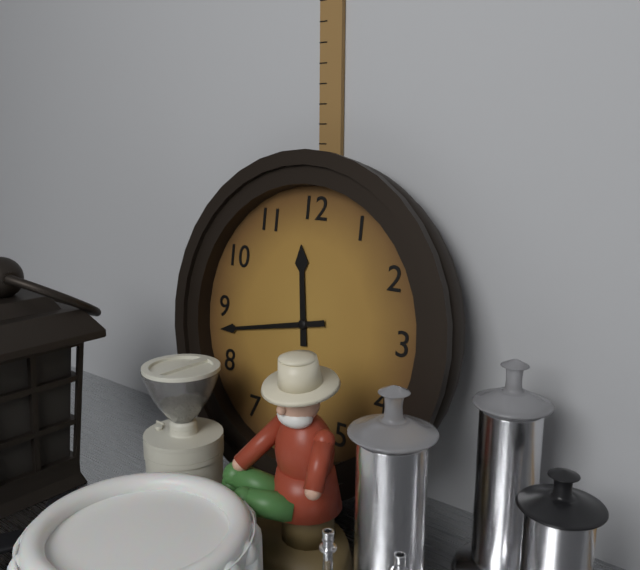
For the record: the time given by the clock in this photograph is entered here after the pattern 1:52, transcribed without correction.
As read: 11:43
